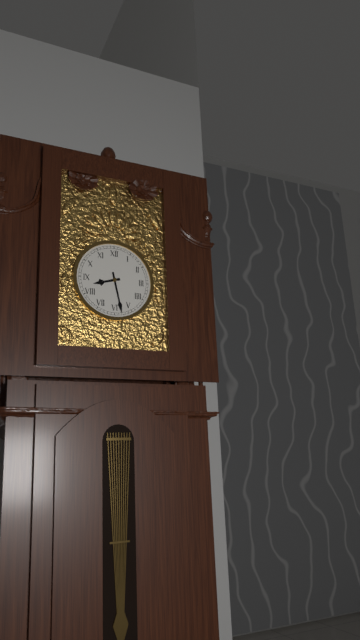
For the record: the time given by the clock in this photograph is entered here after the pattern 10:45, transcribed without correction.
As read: 8:28
